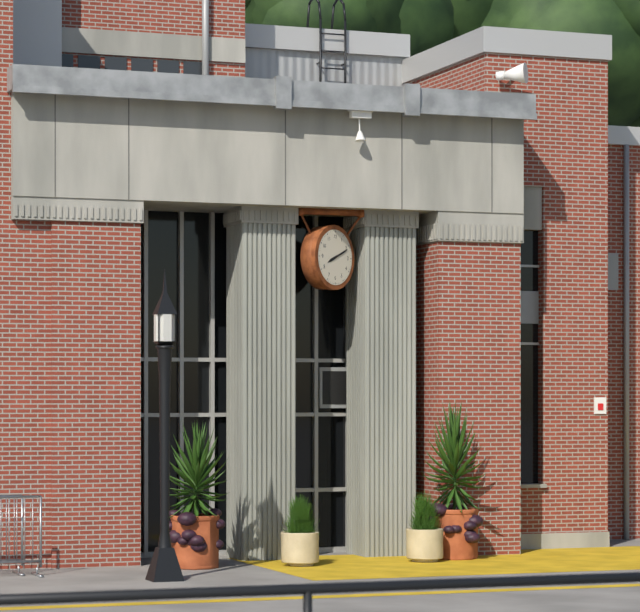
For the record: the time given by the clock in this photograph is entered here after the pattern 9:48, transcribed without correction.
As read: 8:11
